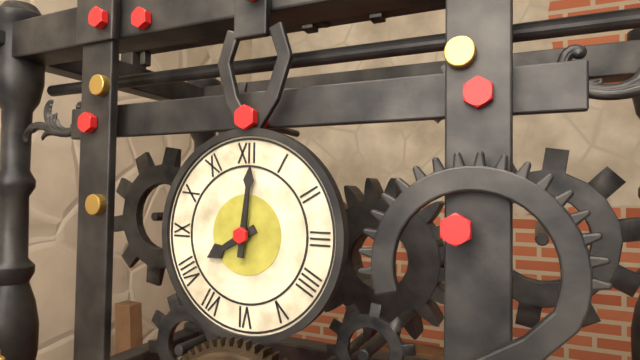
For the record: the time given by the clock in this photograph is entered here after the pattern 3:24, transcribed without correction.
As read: 8:01
